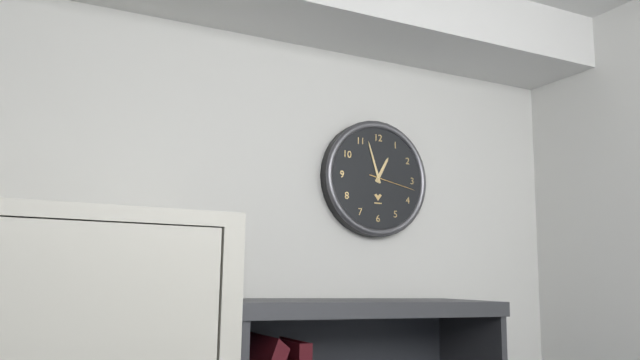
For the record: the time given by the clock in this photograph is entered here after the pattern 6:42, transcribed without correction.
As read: 12:57
